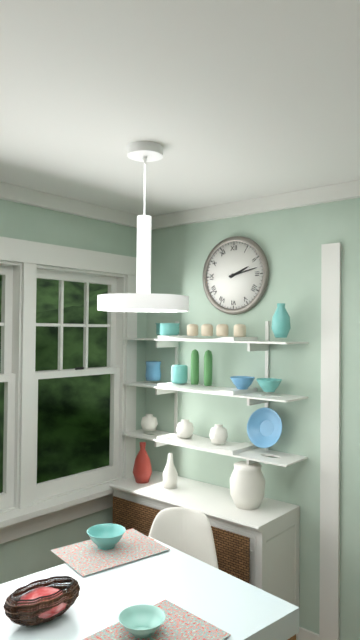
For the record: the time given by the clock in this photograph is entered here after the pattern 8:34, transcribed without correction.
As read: 2:13
